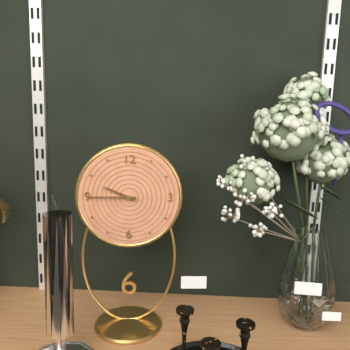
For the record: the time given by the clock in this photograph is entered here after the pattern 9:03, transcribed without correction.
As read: 9:45
